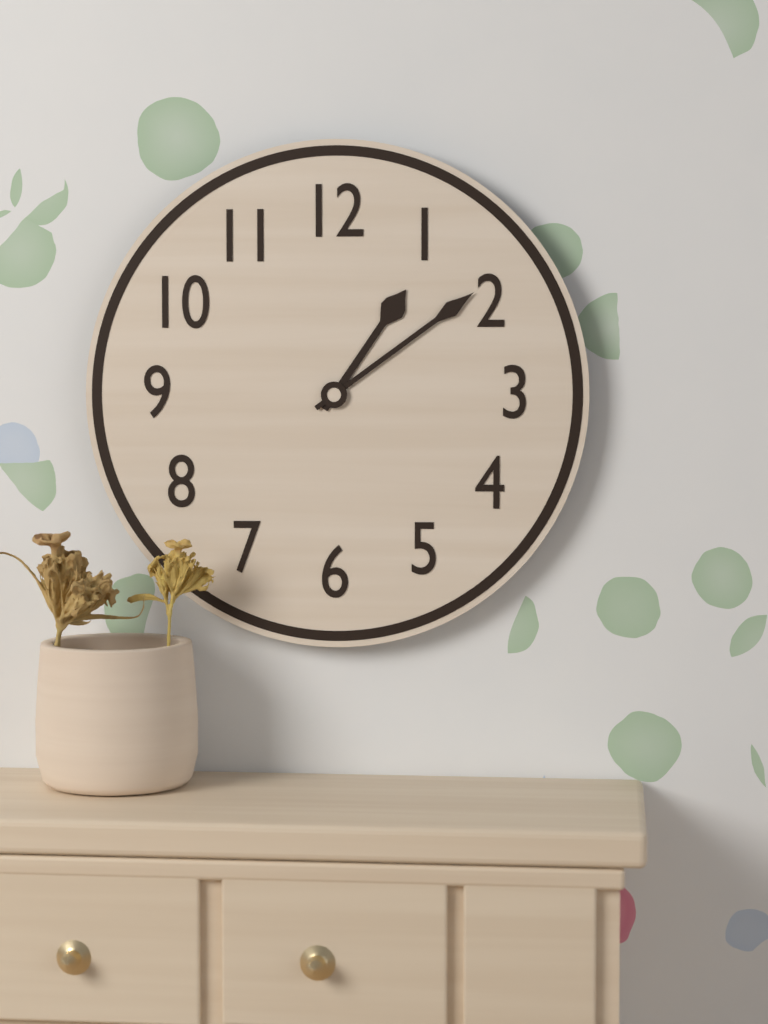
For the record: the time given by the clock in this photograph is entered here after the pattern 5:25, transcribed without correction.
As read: 1:09
